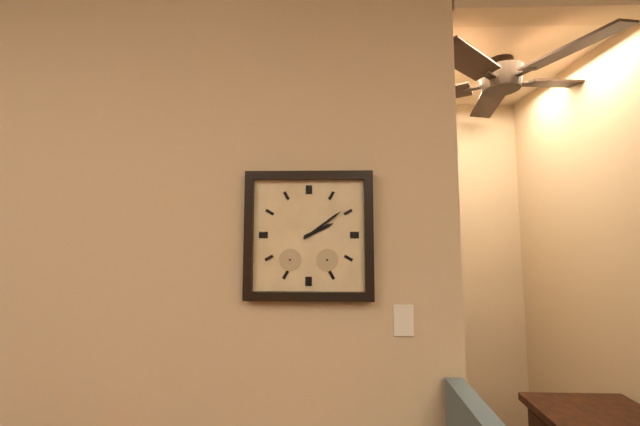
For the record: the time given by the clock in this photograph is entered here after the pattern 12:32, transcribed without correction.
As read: 2:09
